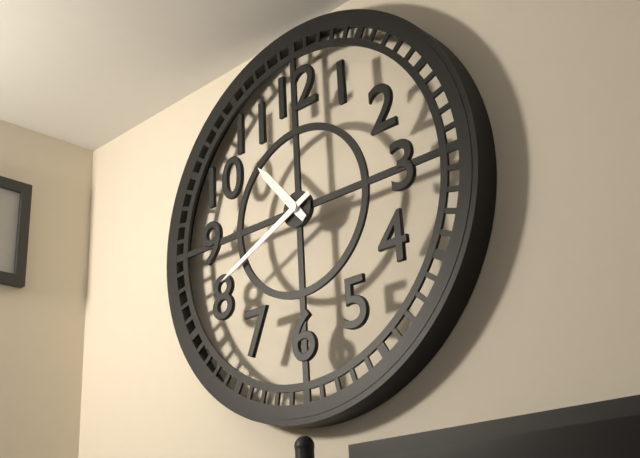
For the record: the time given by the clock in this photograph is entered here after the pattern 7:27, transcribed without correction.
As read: 10:41
